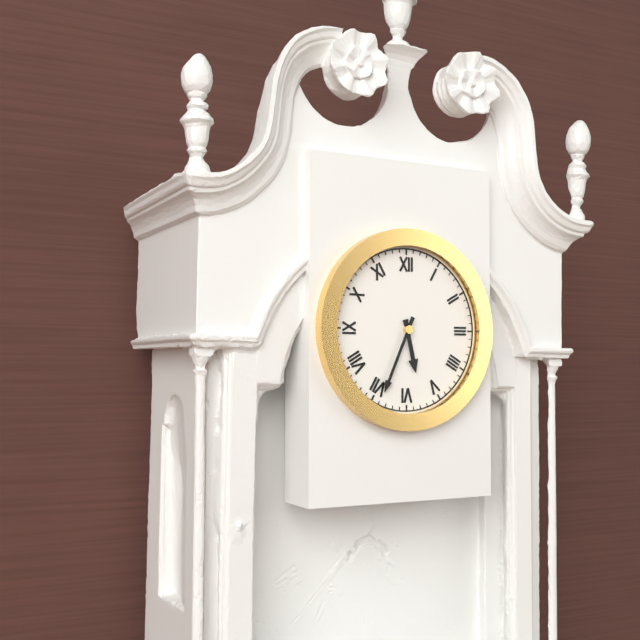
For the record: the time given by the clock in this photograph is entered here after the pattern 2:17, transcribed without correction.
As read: 5:34
